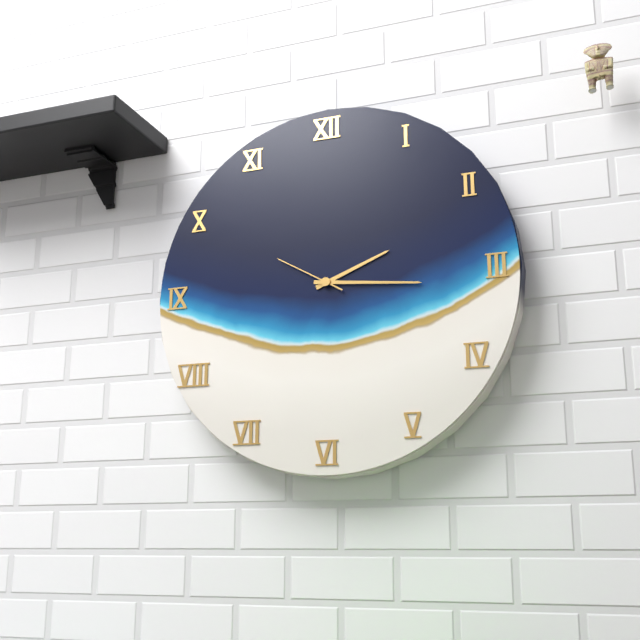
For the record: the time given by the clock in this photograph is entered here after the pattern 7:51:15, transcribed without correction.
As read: 2:16:50
